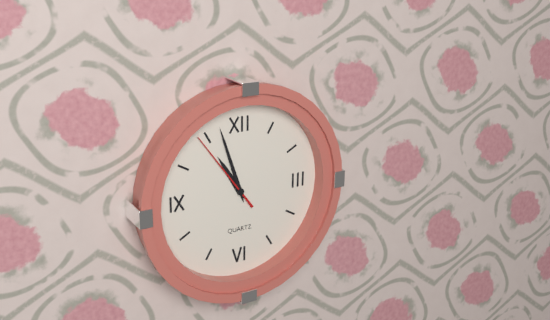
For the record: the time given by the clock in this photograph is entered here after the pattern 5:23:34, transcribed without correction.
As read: 10:57:54
